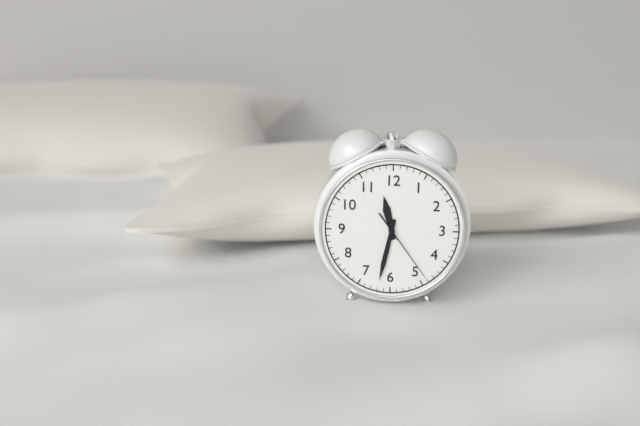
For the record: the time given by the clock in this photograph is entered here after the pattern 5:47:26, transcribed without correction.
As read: 11:32:24
